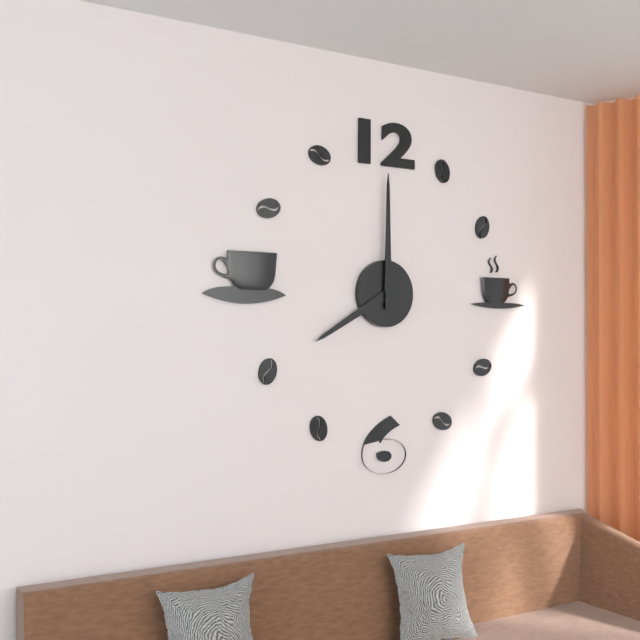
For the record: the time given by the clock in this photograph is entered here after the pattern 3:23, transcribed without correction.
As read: 8:00
